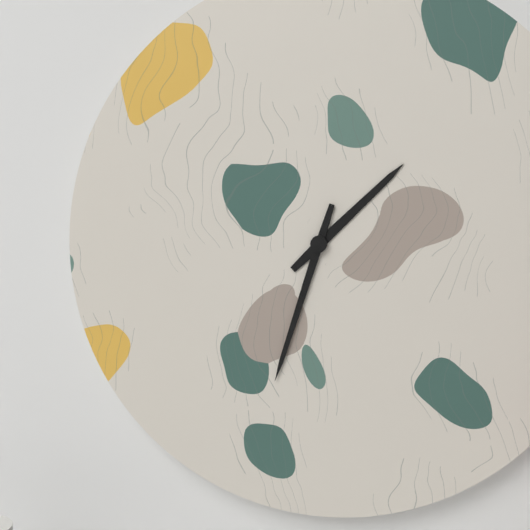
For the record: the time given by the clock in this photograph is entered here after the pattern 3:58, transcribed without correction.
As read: 1:33
